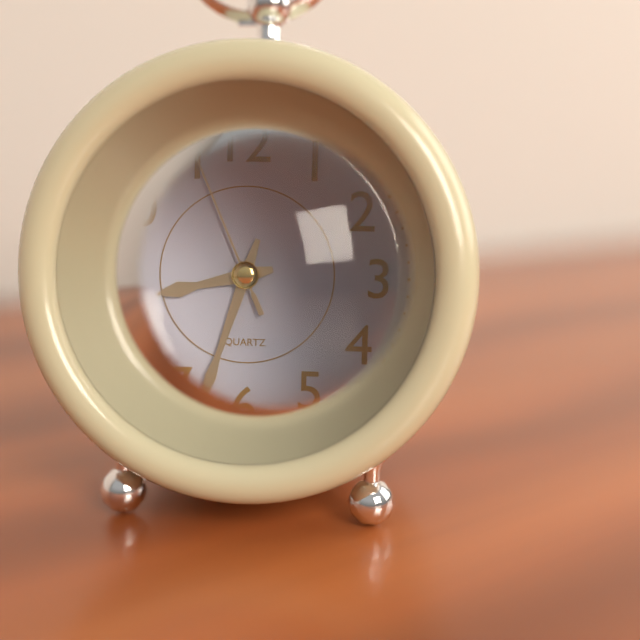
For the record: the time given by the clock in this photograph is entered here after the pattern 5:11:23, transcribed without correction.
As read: 8:33:56
